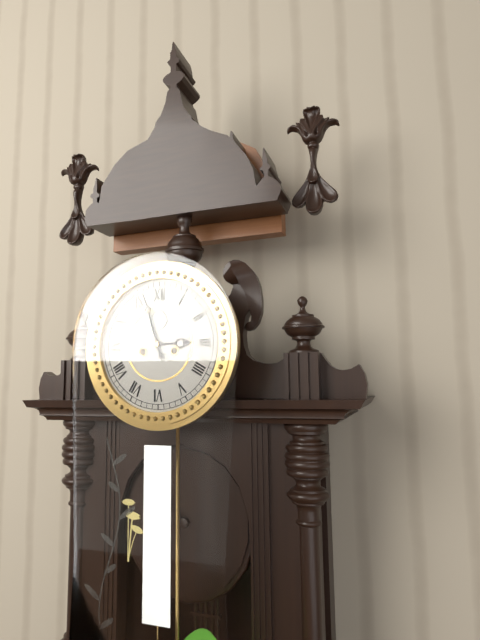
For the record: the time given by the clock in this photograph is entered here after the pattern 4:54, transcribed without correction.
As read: 2:57
